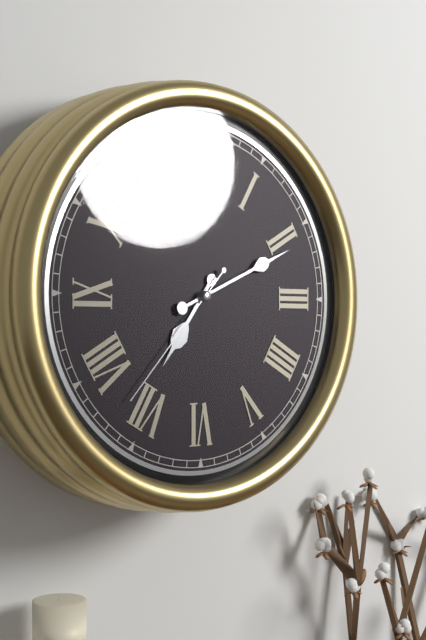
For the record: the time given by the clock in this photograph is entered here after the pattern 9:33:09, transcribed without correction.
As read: 7:11:37
